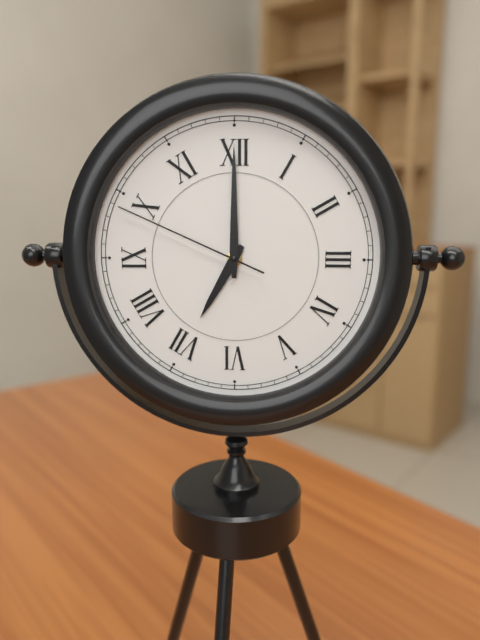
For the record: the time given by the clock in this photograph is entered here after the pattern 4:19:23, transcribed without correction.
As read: 7:00:49
